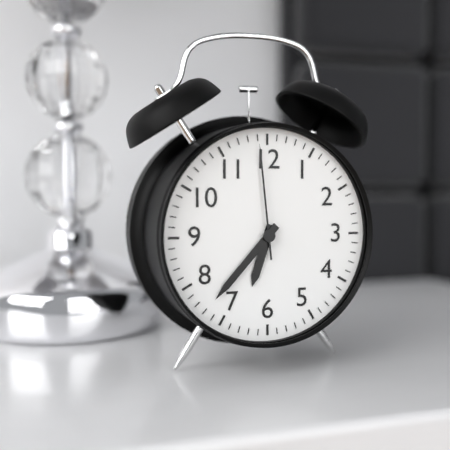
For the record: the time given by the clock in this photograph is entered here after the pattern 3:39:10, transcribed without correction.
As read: 6:37:59
